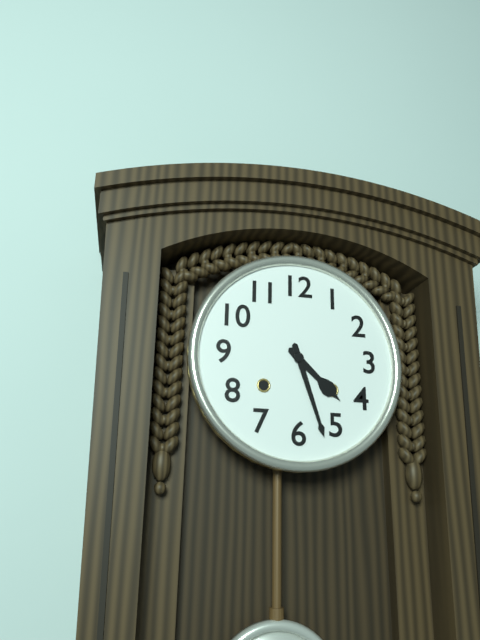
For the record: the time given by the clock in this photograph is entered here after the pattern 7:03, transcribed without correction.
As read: 4:27
